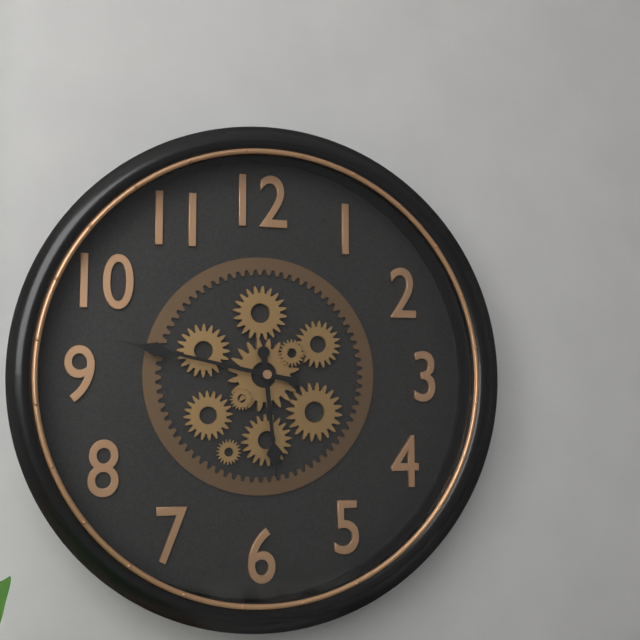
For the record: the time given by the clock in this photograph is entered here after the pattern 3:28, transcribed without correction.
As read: 5:47
